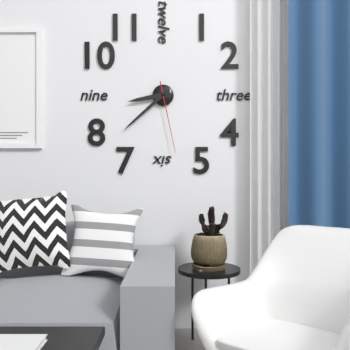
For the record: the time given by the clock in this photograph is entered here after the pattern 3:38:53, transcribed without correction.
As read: 8:38:28
